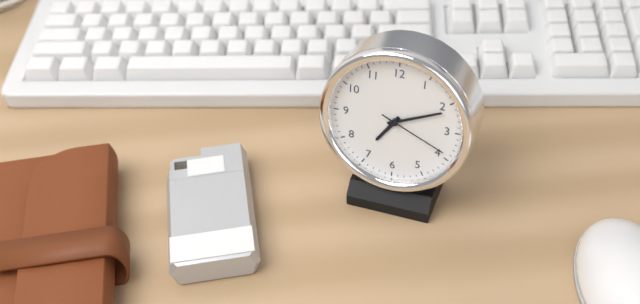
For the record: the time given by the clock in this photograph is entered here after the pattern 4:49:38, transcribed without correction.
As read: 7:11:19
